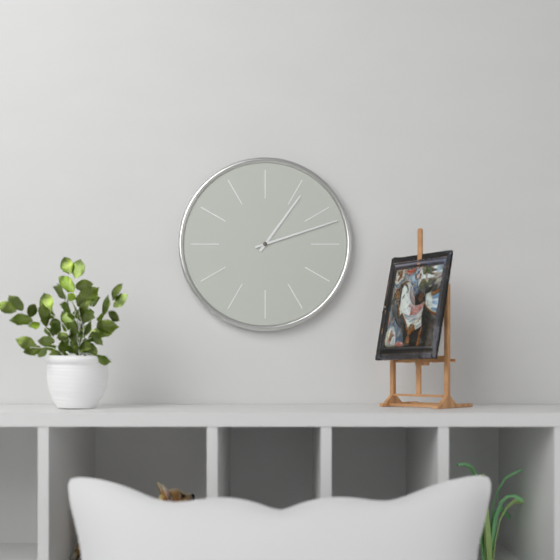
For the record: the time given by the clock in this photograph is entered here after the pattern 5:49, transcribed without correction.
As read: 1:12
